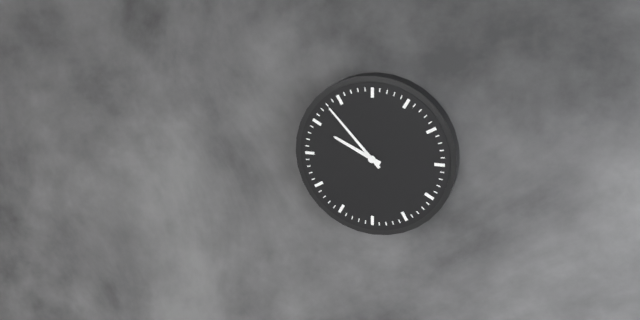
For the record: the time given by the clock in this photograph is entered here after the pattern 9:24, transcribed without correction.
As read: 9:53
